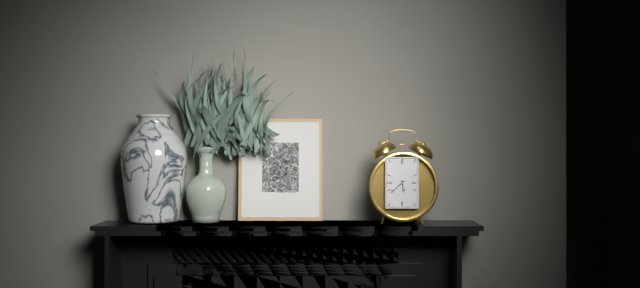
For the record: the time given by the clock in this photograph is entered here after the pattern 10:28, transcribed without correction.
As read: 5:38
